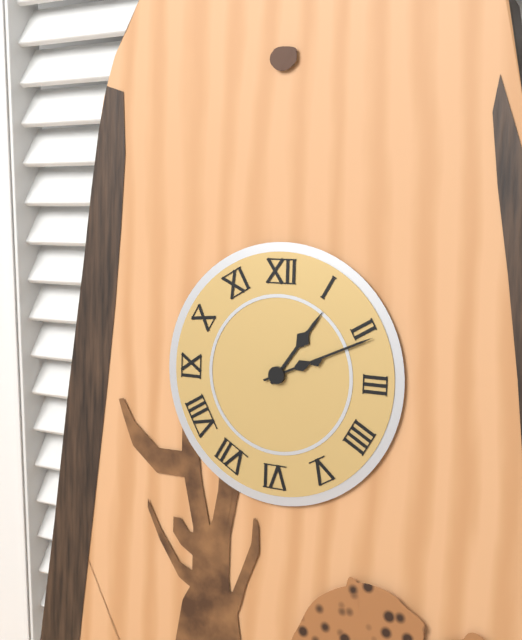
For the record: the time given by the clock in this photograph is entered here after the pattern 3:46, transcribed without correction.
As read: 1:11
